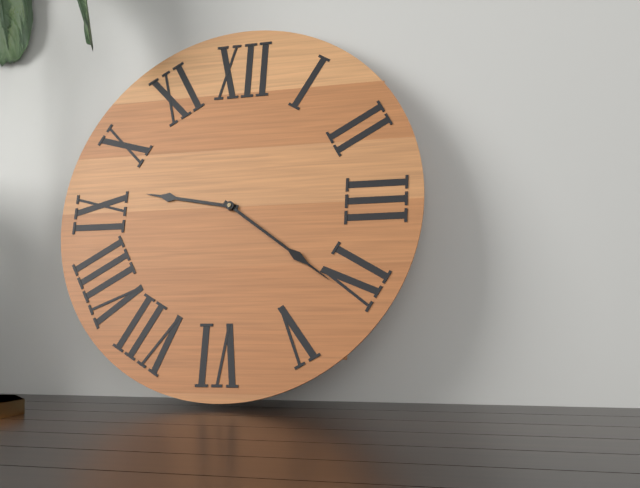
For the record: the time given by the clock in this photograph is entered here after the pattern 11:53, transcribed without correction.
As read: 9:21
